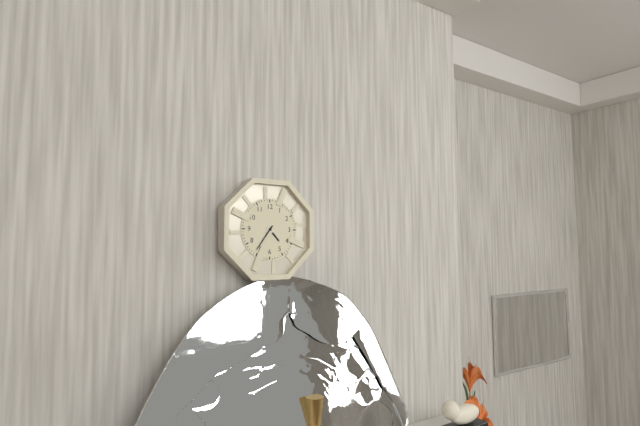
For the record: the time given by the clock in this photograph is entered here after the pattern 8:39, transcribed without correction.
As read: 4:36
